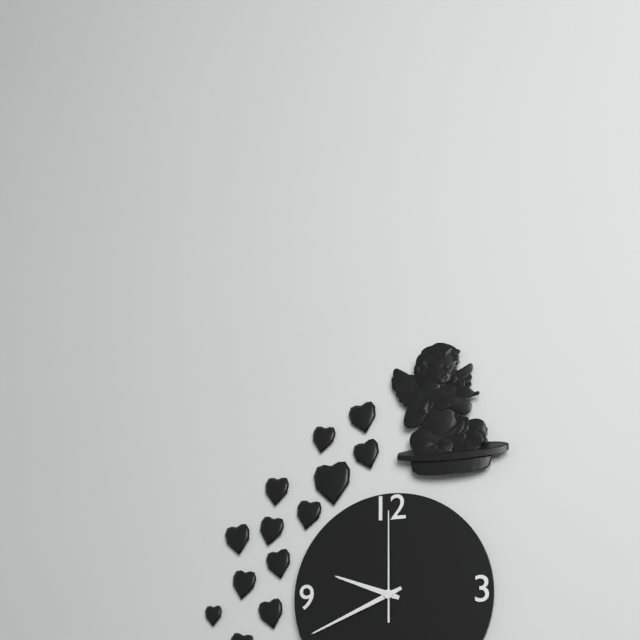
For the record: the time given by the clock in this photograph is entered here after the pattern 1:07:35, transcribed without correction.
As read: 9:41:00
